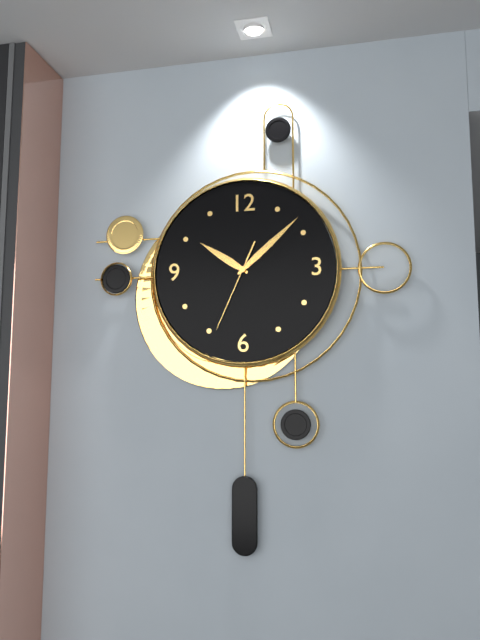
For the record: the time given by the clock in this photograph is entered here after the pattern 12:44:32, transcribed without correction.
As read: 10:08:34
